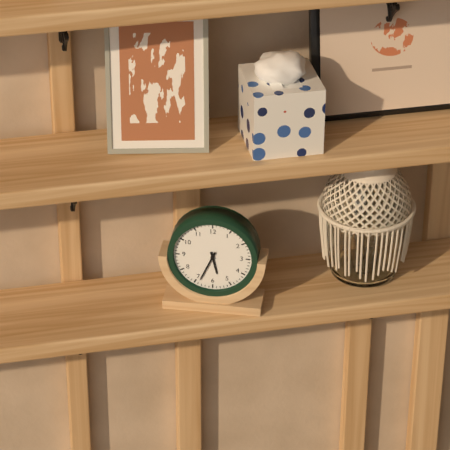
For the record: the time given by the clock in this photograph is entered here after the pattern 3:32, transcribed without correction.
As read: 5:34
